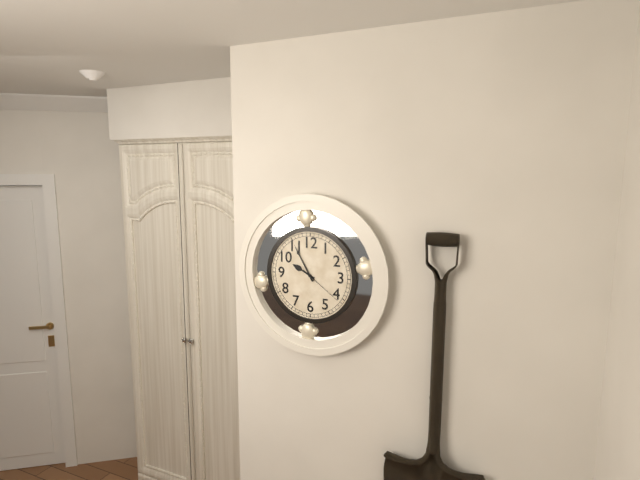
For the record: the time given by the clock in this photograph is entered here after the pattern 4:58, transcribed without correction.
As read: 9:55
